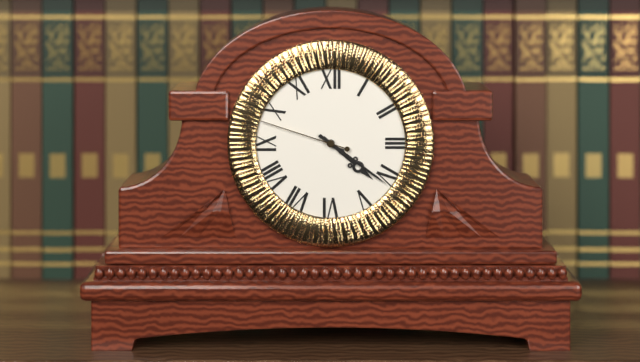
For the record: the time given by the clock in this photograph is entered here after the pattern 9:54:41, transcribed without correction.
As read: 4:21:48
